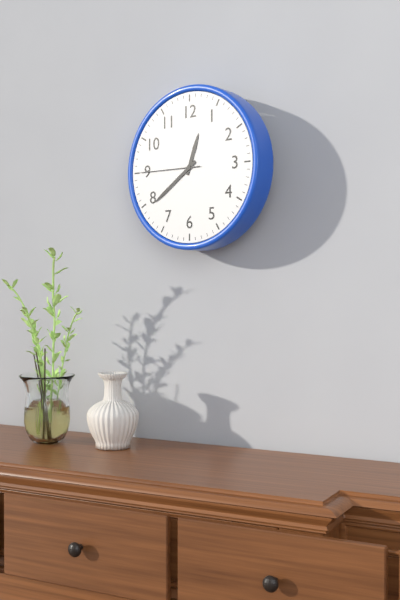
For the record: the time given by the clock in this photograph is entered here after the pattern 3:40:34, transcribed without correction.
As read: 12:39:45
